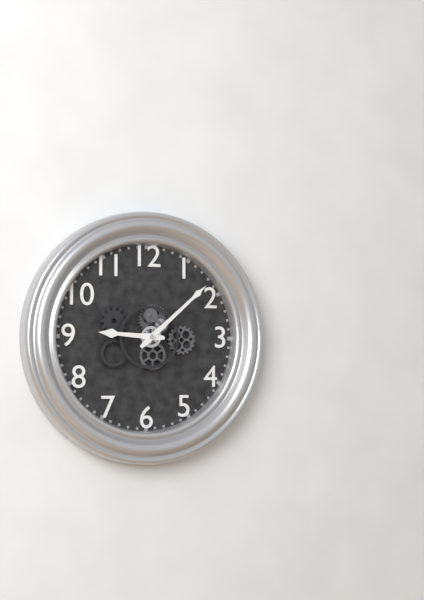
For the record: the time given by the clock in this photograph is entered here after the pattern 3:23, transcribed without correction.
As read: 9:08
